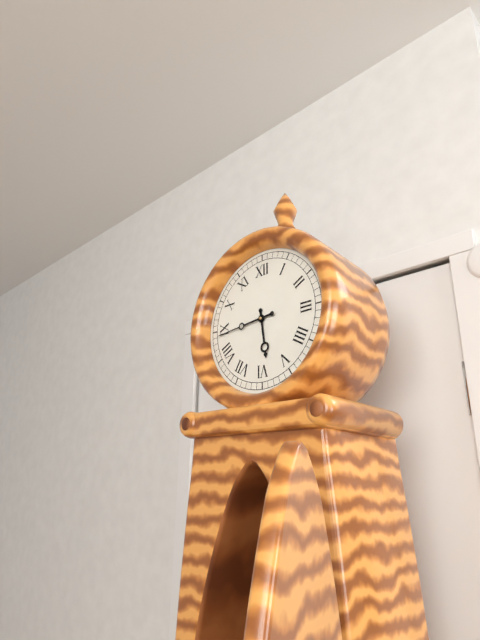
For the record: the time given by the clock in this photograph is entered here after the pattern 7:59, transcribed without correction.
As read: 5:44
